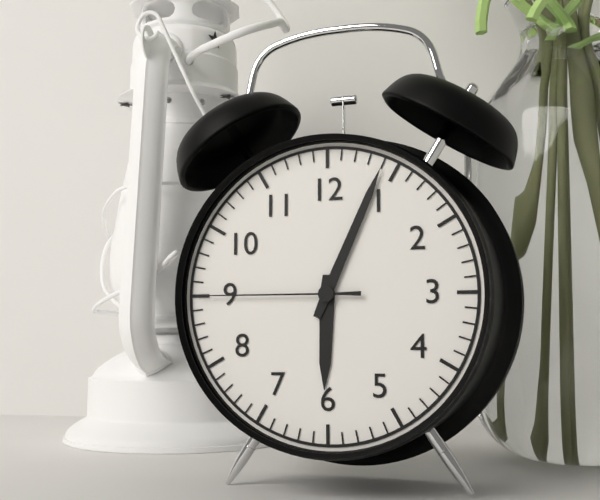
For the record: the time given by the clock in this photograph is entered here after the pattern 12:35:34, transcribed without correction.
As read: 6:04:45
